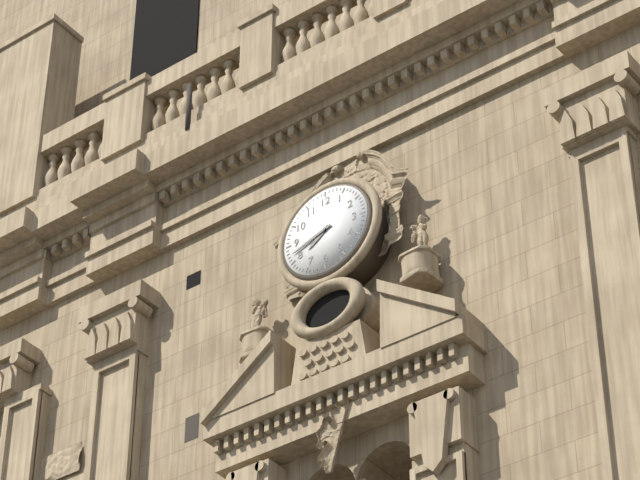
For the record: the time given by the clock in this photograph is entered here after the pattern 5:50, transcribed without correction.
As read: 7:42
